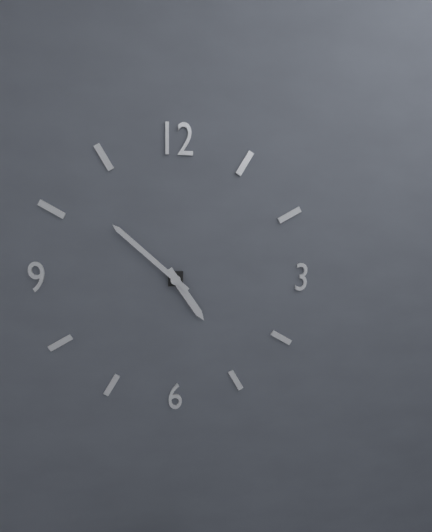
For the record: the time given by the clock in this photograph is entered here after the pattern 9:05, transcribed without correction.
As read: 4:52
